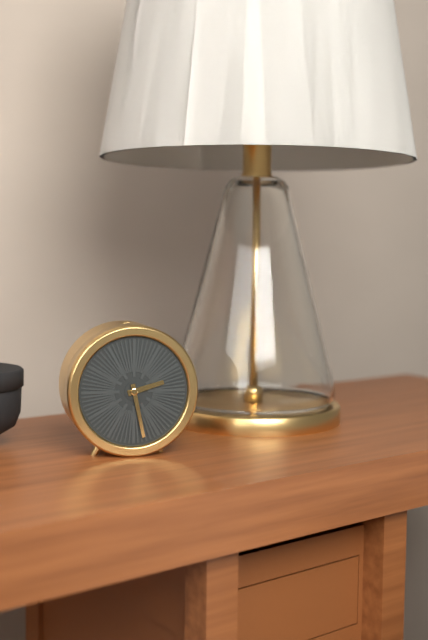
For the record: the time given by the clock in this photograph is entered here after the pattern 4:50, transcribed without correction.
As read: 2:28
